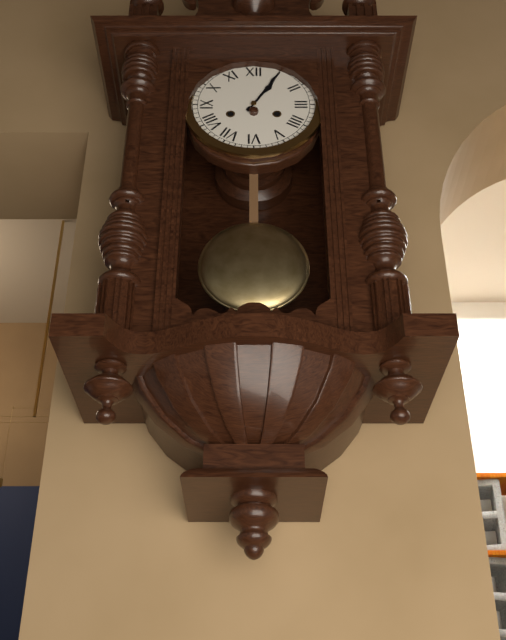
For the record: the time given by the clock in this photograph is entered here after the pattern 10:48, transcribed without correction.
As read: 1:05
